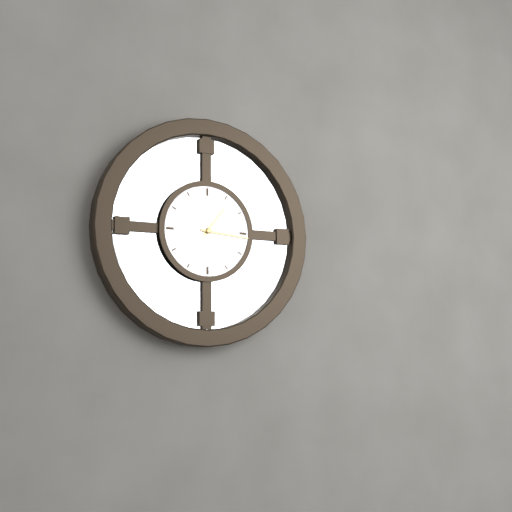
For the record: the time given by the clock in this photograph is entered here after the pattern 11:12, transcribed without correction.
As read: 1:16
